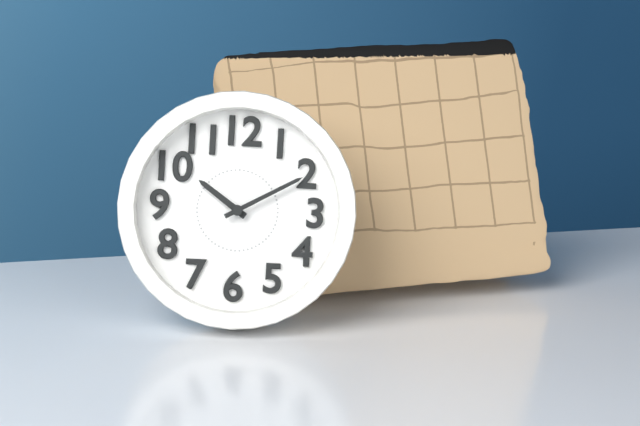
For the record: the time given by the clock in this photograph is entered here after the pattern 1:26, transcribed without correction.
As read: 10:10
